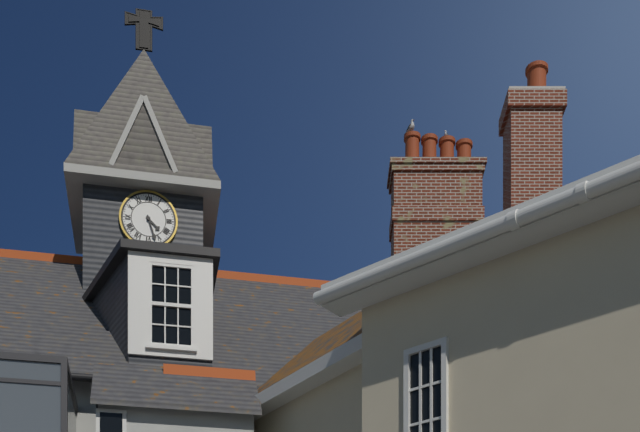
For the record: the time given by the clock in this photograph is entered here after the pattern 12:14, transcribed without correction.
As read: 4:27
